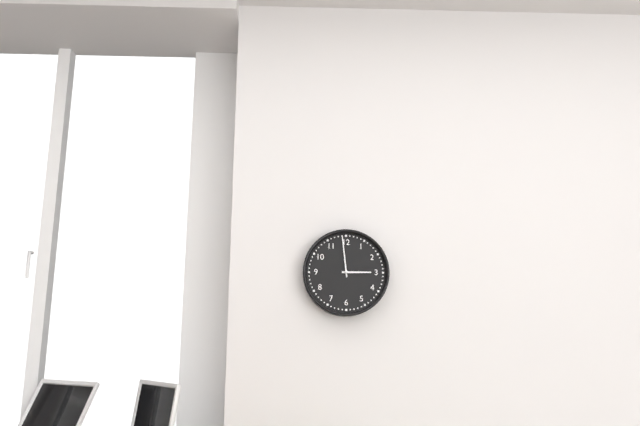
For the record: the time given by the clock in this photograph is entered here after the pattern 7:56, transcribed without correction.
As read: 2:59
